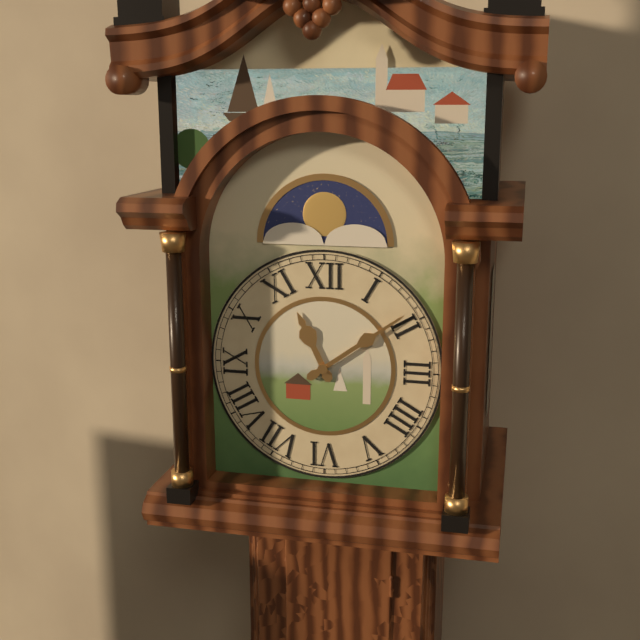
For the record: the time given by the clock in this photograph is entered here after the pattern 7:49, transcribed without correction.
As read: 11:09
